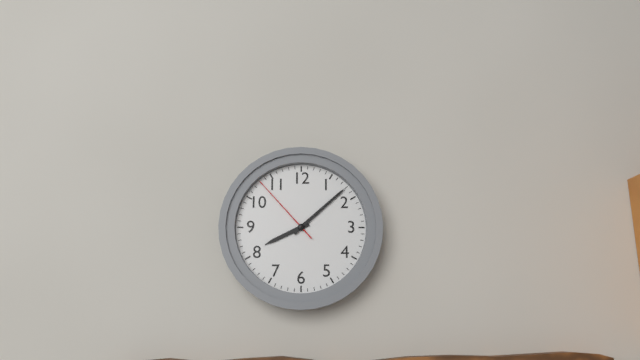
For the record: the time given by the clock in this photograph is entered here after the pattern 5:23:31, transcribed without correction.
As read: 8:08:53
